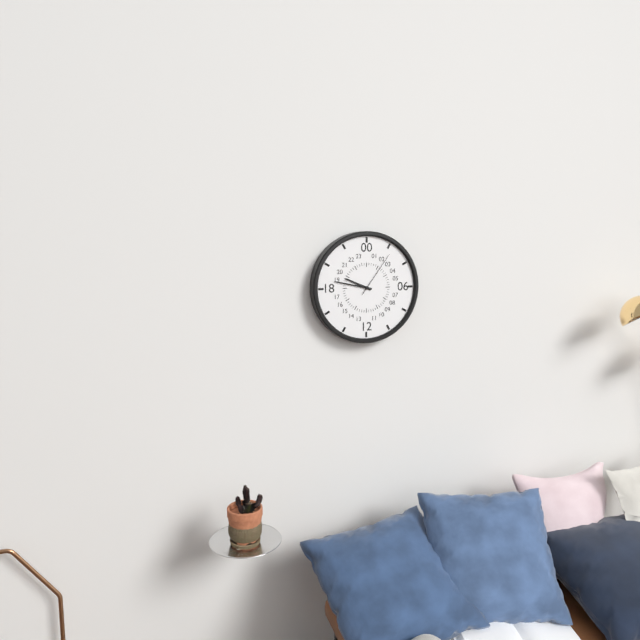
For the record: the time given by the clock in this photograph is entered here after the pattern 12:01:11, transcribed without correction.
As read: 9:47:06
